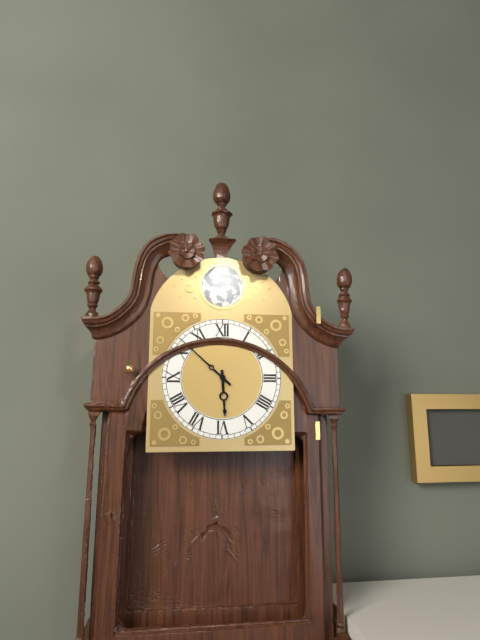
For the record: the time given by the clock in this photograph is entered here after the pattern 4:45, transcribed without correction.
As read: 5:52
